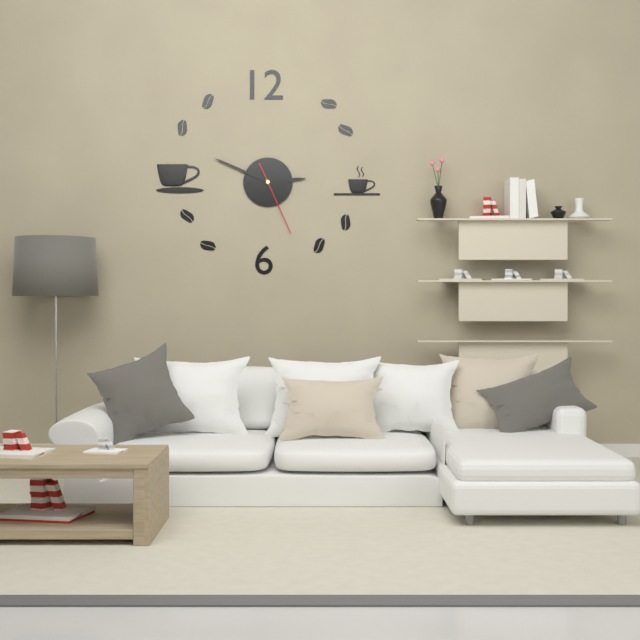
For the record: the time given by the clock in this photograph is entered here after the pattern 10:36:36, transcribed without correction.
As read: 2:49:26
